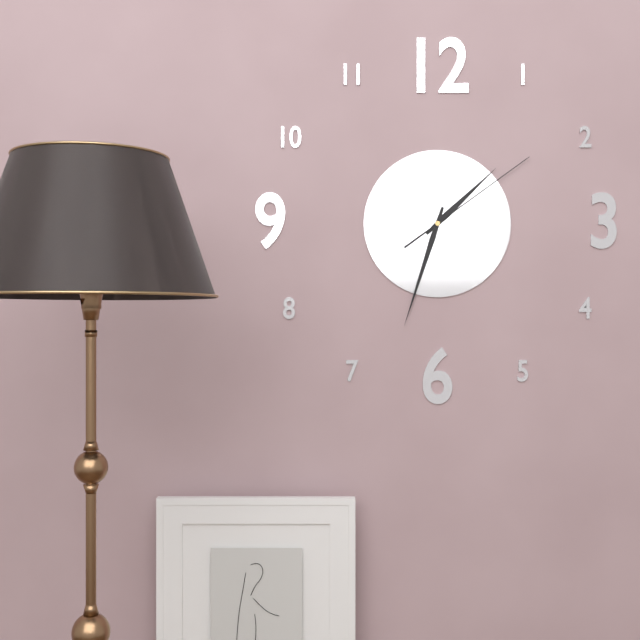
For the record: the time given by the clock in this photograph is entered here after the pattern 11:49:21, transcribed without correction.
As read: 1:33:09
